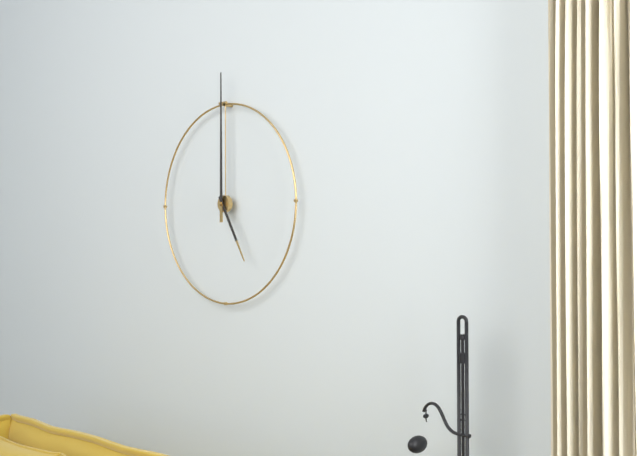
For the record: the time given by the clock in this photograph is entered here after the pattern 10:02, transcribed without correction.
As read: 5:00
